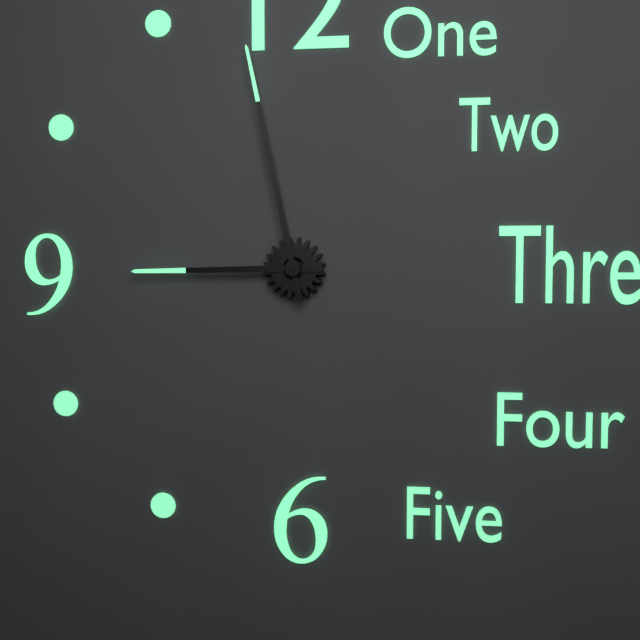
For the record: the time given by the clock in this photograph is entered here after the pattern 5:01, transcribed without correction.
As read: 8:58
